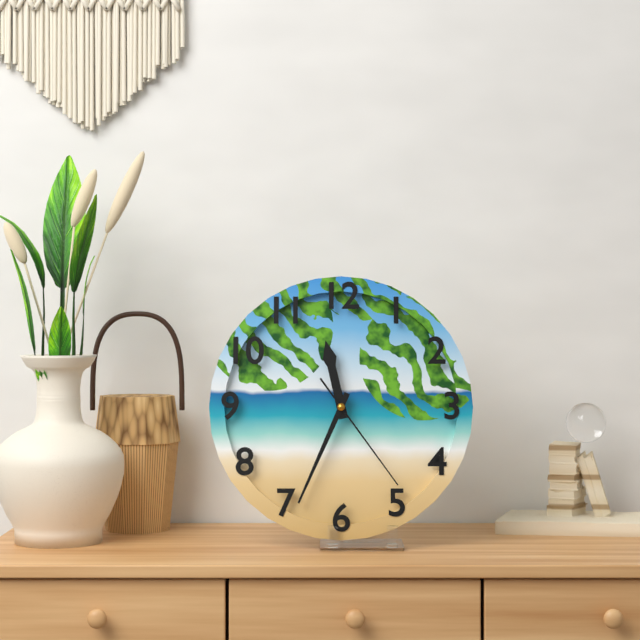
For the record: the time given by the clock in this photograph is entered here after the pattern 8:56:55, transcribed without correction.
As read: 11:34:24
